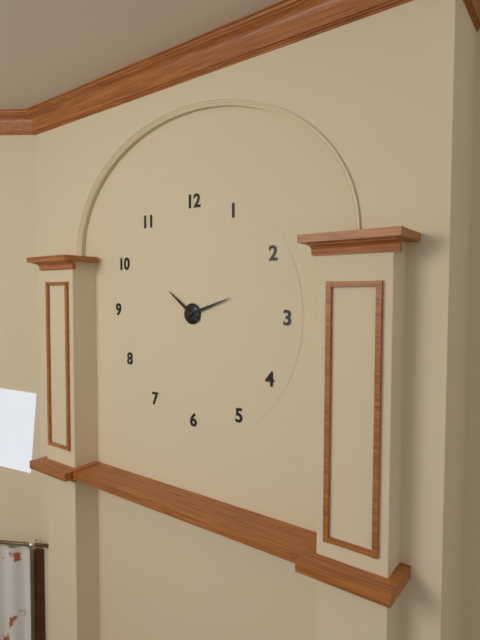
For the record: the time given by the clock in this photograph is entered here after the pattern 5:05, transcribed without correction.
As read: 10:12
